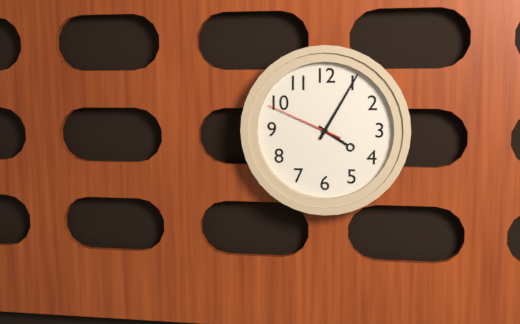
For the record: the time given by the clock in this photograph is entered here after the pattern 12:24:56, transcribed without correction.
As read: 4:05:49
